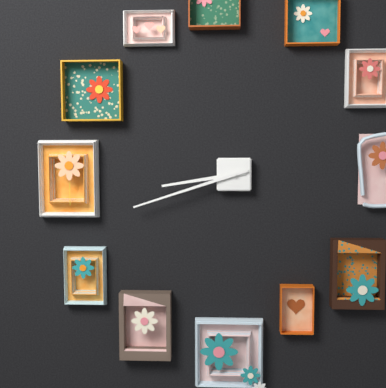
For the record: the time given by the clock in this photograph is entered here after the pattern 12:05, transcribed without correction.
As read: 8:42
